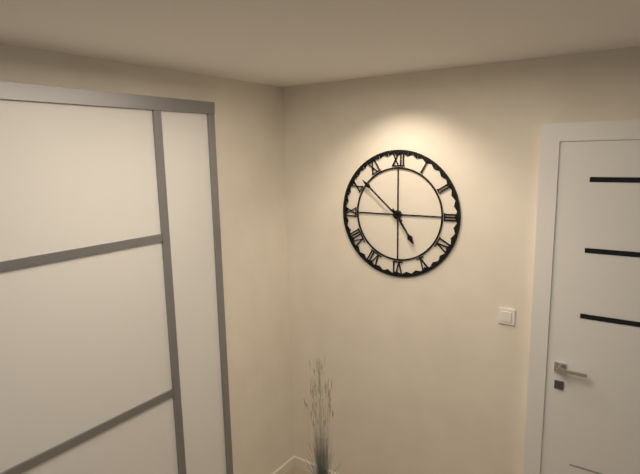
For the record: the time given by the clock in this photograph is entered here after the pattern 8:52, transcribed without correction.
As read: 4:52
